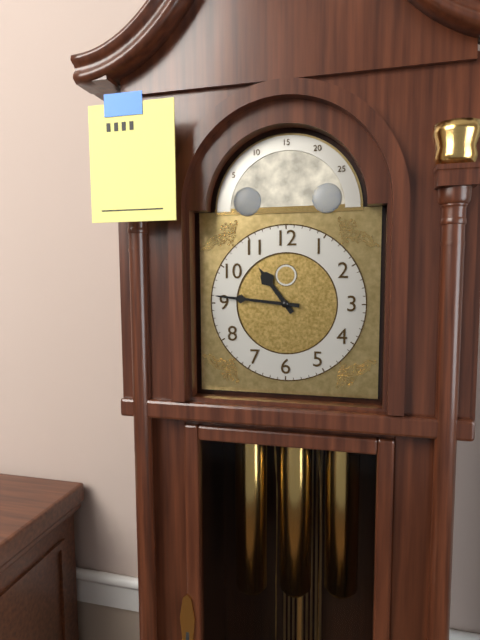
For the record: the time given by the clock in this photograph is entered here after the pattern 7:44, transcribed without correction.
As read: 10:46
